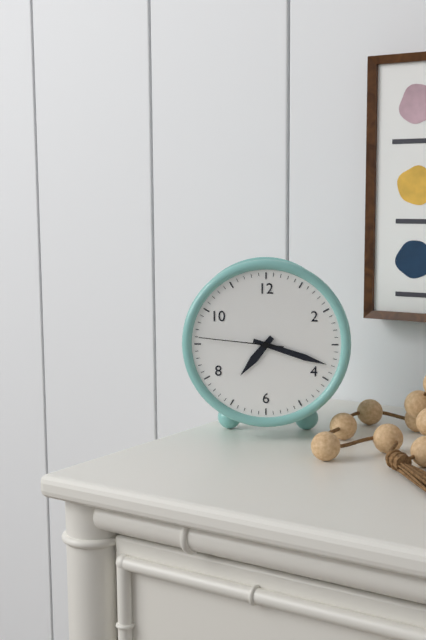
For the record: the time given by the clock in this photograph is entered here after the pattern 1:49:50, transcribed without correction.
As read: 7:18:46
